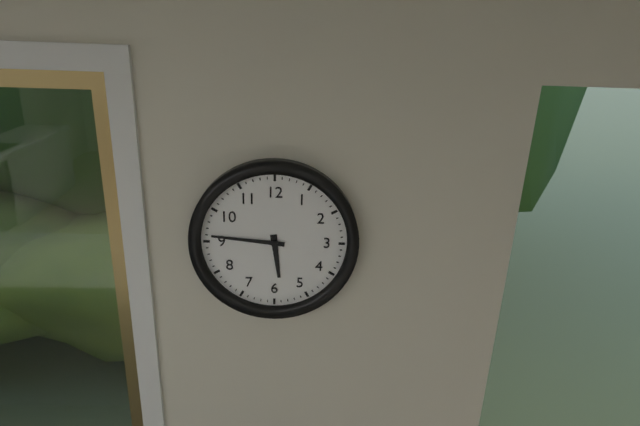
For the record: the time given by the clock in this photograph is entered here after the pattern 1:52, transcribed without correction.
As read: 5:46
